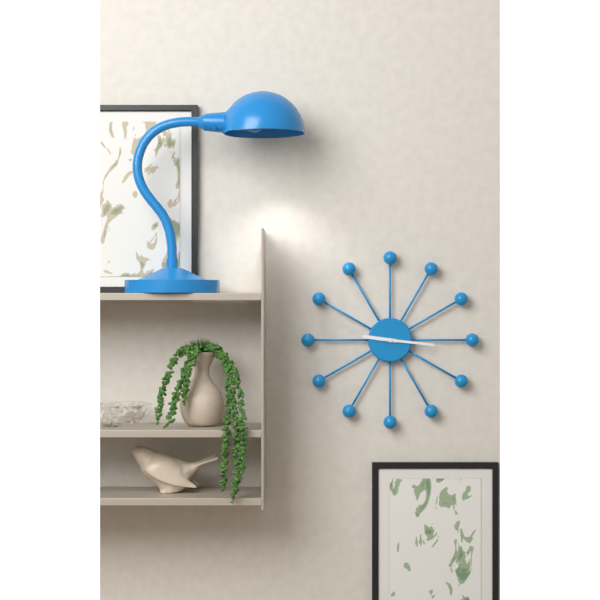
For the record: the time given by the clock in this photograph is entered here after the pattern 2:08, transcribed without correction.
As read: 9:16
